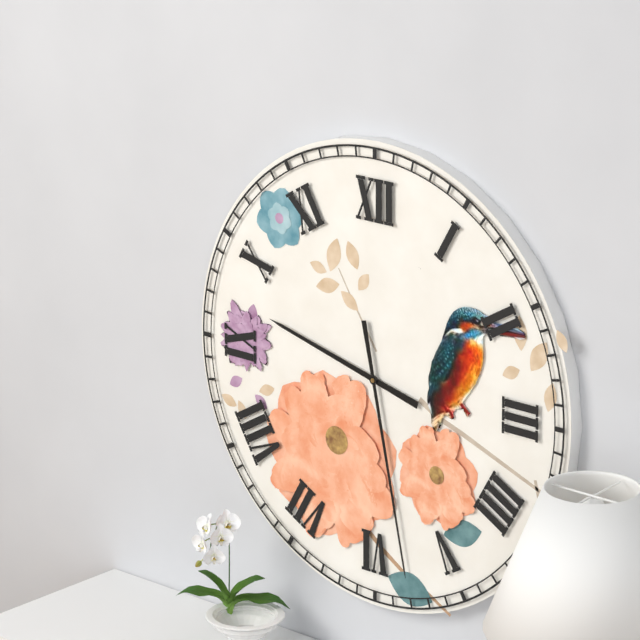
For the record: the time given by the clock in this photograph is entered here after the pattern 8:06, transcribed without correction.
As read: 9:28
